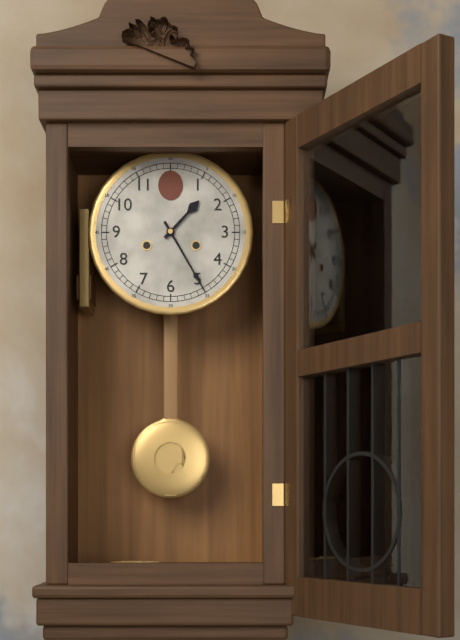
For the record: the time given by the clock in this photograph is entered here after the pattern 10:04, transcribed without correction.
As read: 1:25
